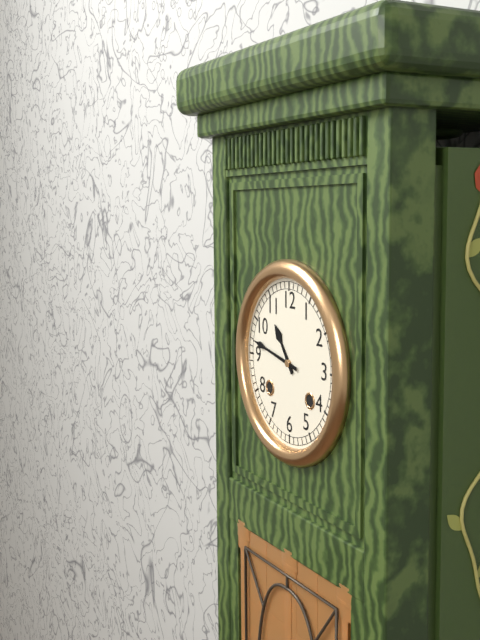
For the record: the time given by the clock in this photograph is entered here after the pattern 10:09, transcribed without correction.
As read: 10:47
